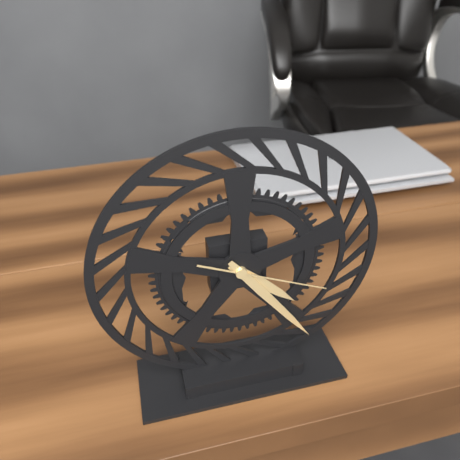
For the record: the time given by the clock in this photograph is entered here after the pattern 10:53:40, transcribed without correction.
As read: 4:24:19
